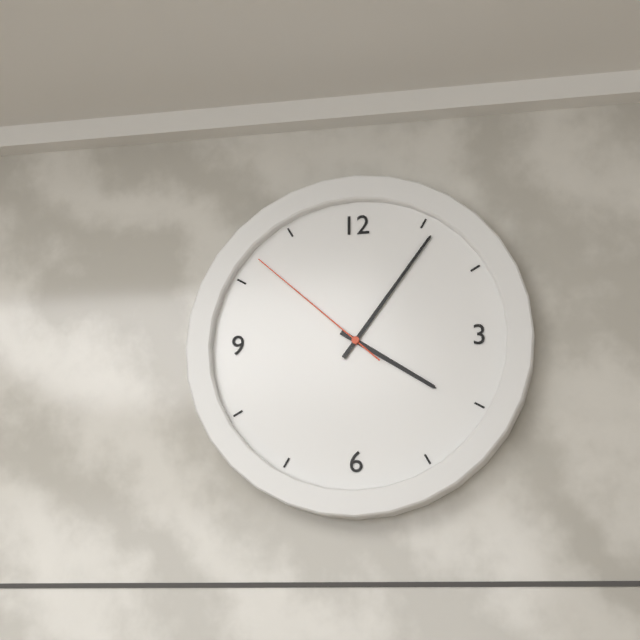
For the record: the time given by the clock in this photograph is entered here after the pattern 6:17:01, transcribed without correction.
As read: 4:06:52
